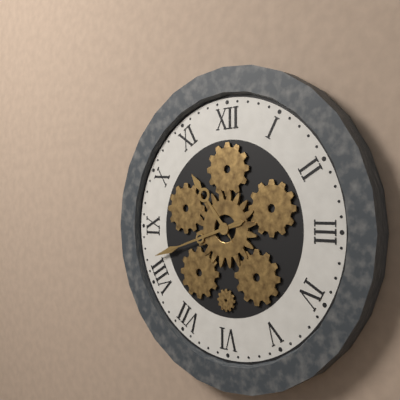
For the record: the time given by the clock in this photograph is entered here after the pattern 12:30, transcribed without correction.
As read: 10:42
